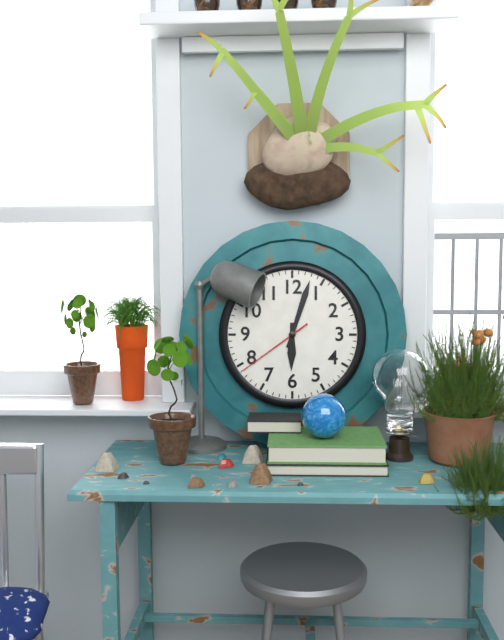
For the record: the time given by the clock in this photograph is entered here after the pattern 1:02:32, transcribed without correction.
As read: 6:03:39
